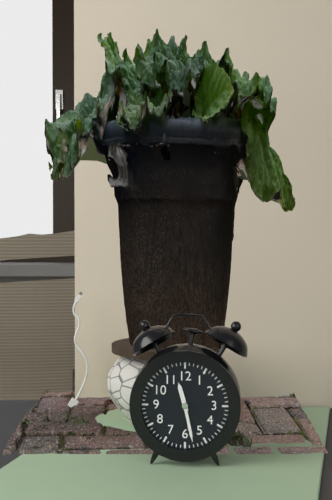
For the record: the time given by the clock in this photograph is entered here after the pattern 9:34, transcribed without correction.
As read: 11:28
